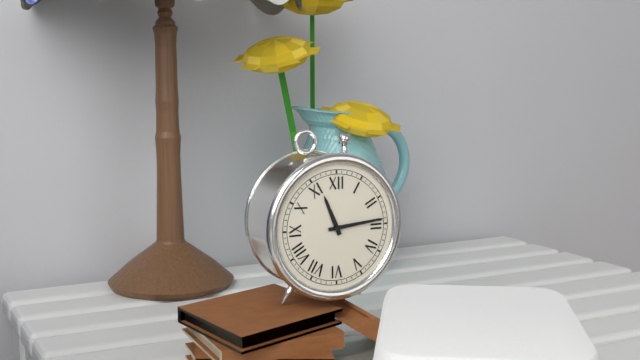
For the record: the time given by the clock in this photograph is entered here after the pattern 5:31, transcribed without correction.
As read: 11:14
